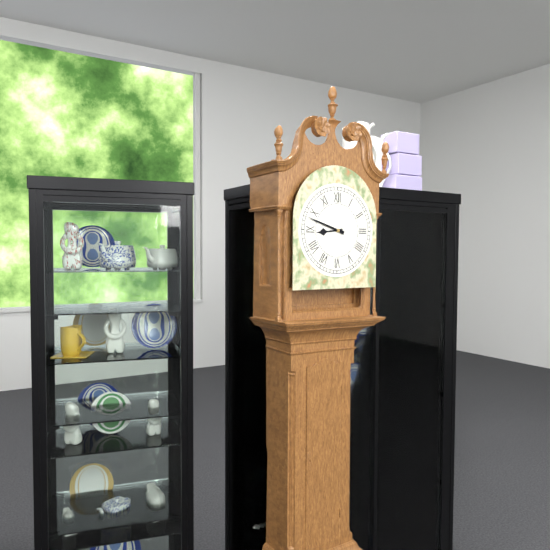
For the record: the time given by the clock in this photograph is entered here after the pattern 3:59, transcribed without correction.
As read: 8:48
